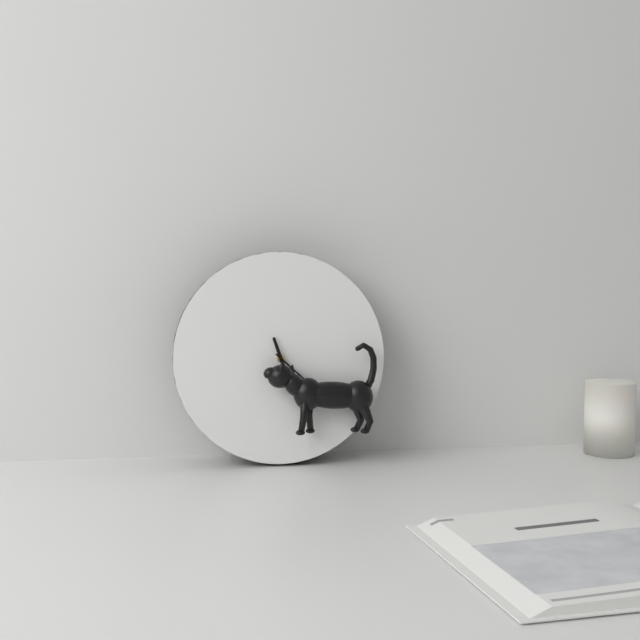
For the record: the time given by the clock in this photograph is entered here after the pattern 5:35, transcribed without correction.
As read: 11:22
